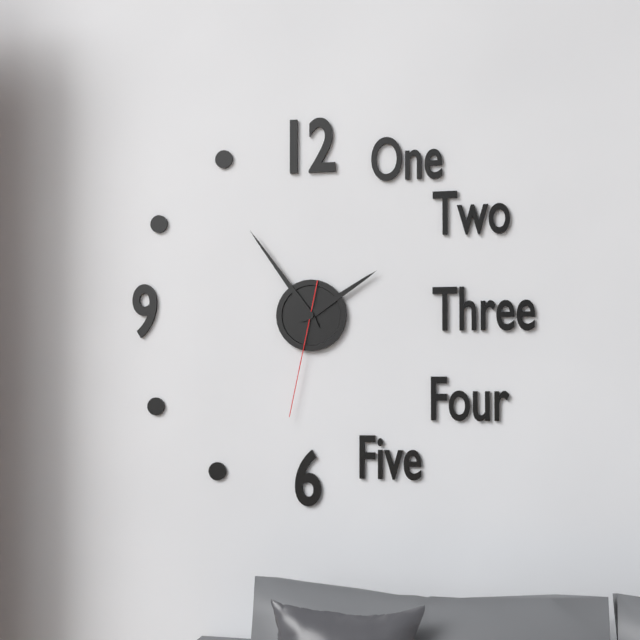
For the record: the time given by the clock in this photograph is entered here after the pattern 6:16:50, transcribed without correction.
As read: 1:54:32
